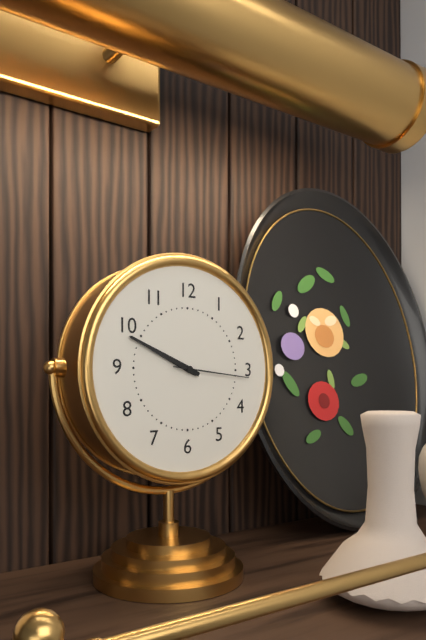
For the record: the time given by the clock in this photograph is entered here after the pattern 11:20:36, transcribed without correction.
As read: 9:49:16
